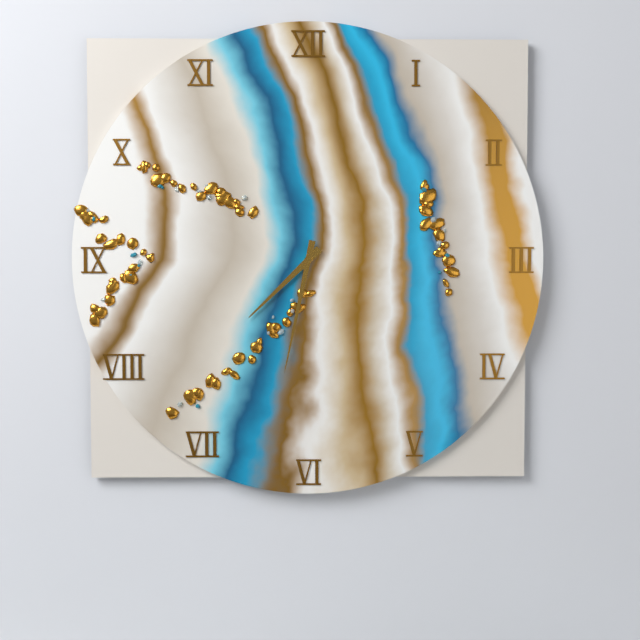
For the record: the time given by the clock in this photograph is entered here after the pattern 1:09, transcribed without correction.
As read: 7:32
